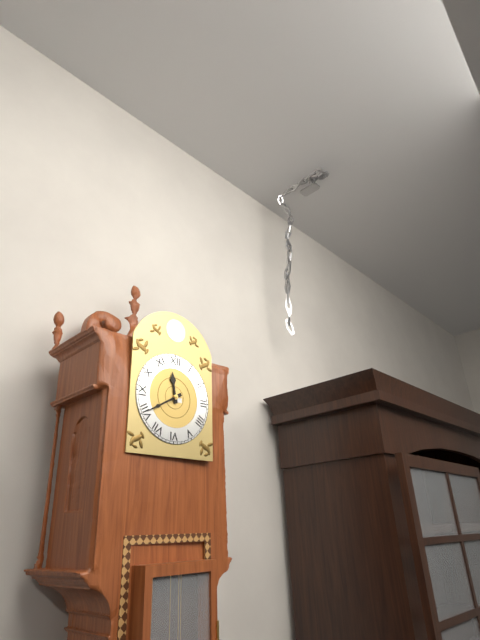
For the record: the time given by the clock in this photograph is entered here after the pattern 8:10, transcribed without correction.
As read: 11:40
